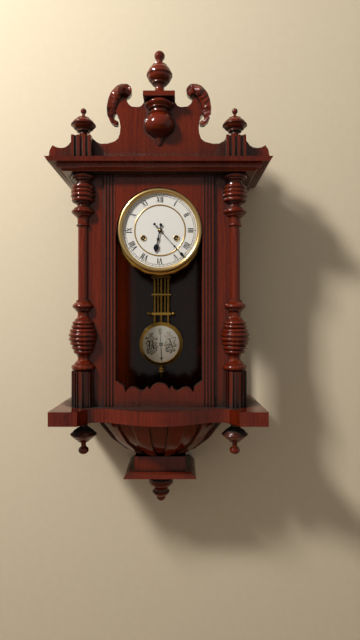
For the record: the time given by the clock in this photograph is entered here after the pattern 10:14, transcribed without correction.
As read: 6:23
